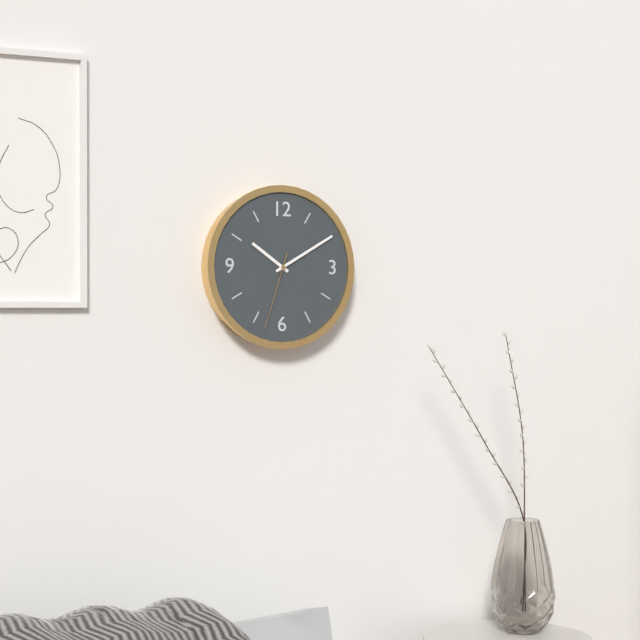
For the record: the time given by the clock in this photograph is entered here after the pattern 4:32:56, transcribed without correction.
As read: 10:10:33
